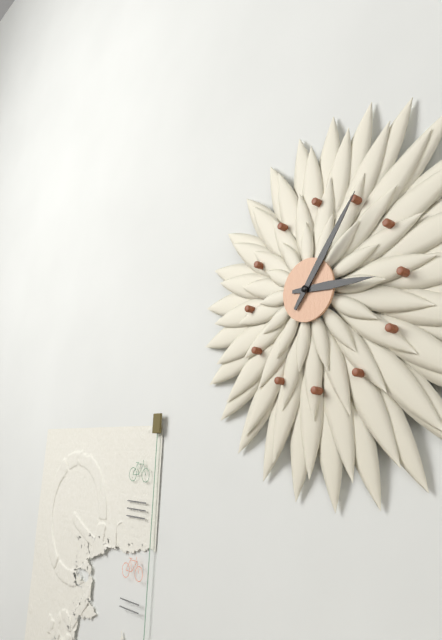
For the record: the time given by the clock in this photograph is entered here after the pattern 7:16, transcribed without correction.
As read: 3:06
